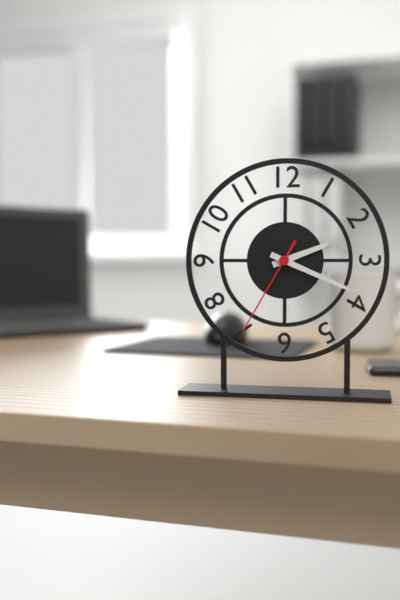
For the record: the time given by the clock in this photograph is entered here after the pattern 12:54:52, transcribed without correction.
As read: 2:19:35
